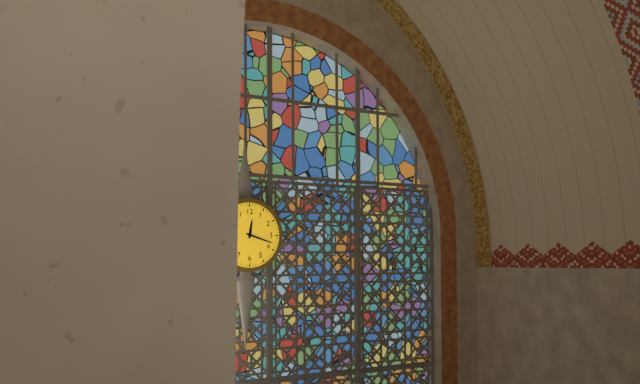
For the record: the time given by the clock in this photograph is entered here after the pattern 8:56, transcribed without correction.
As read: 12:18
